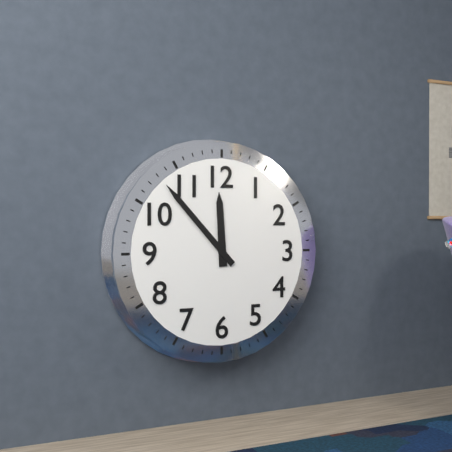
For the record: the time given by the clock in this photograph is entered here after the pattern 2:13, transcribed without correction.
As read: 11:53
